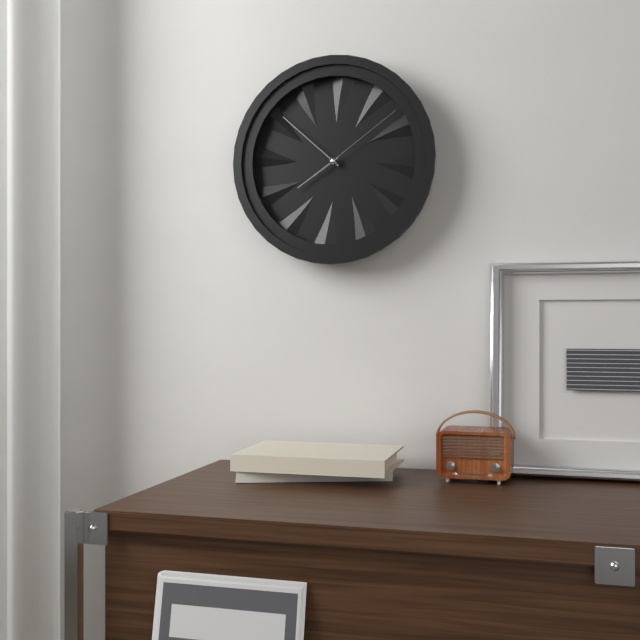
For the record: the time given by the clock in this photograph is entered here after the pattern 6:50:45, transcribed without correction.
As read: 7:52:09
